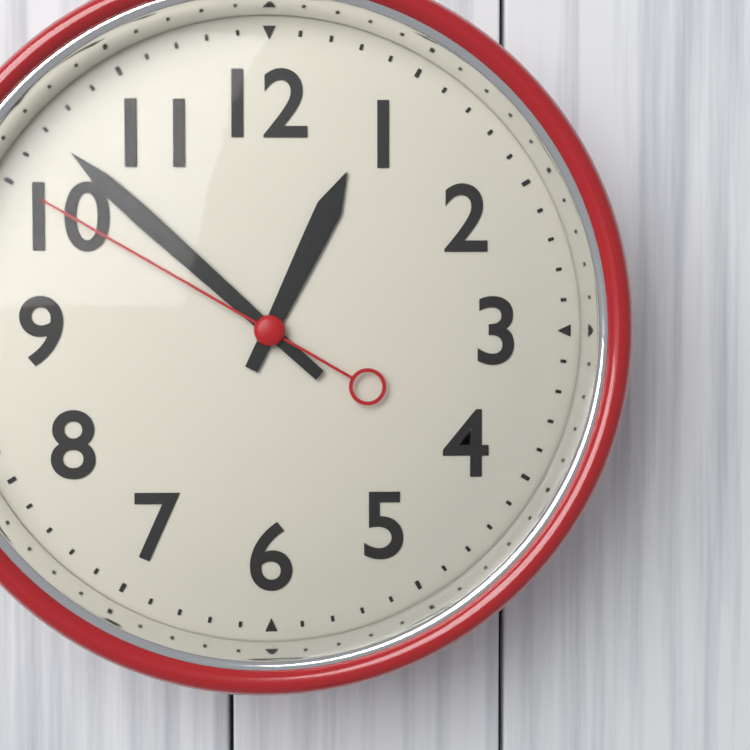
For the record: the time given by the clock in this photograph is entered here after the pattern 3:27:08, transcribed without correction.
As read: 12:52:50
